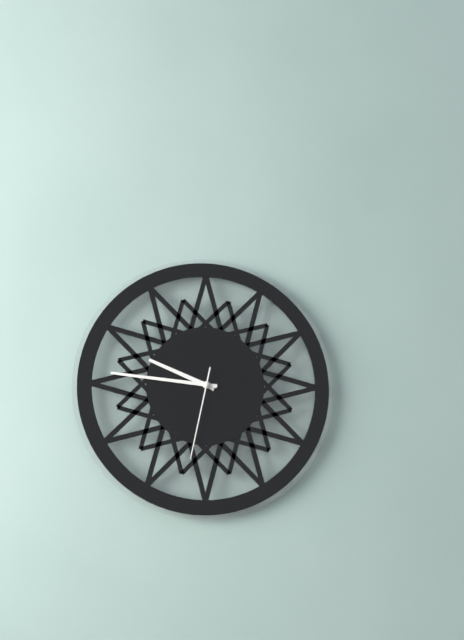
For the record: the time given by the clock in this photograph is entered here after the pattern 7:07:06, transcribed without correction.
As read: 9:46:32
